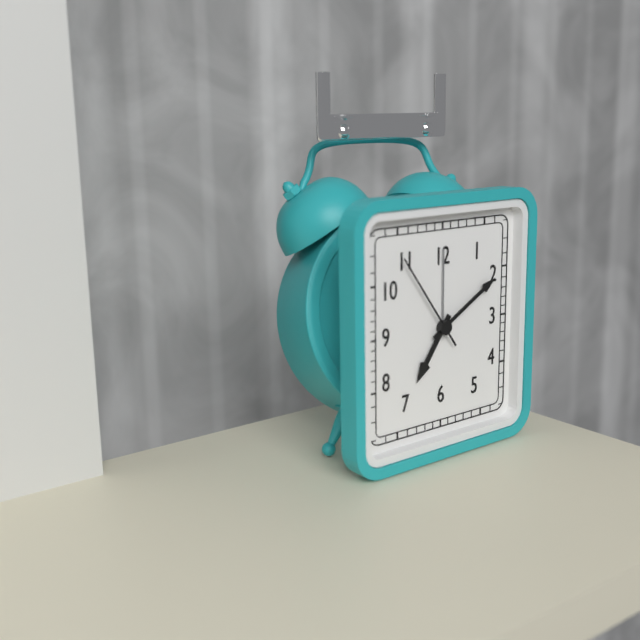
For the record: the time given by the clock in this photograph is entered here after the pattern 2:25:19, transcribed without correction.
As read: 7:10:54
